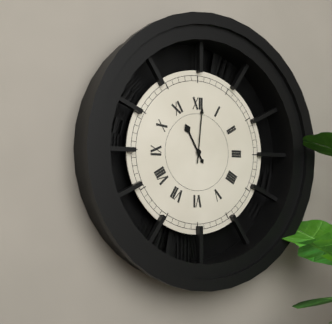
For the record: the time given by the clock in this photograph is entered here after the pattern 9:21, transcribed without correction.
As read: 11:01
